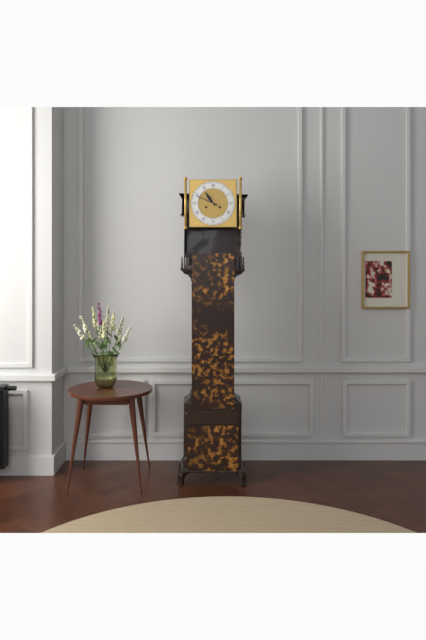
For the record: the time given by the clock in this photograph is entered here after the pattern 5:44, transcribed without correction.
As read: 10:49
